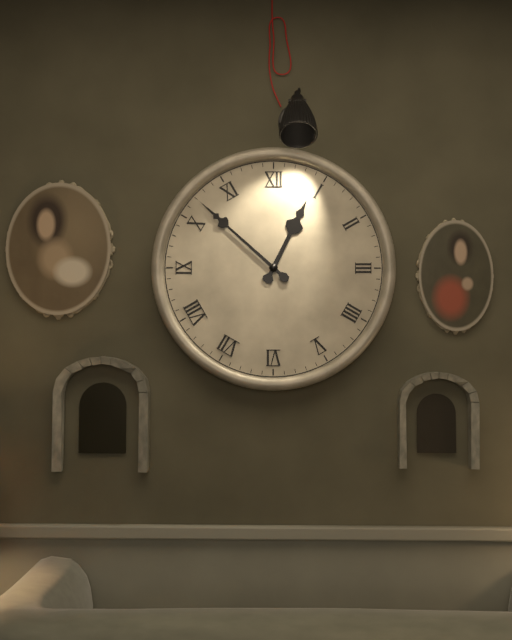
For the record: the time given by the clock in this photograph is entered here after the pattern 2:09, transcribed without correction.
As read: 12:52
